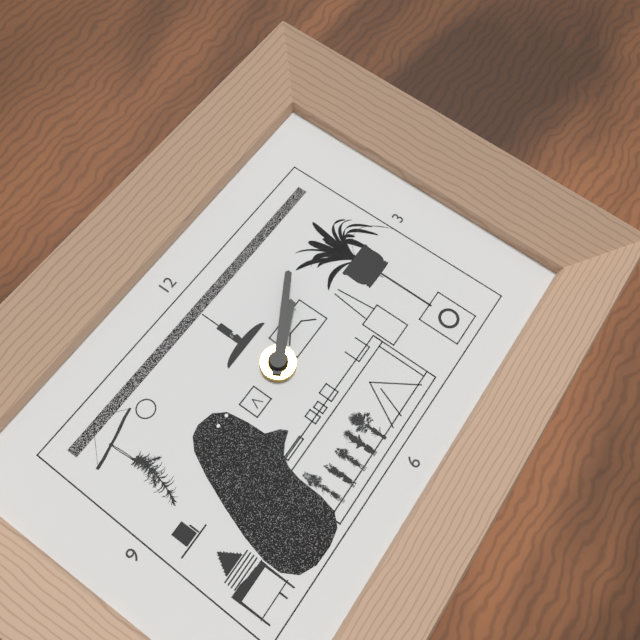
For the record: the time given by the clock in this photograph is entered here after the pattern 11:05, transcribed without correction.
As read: 2:10
